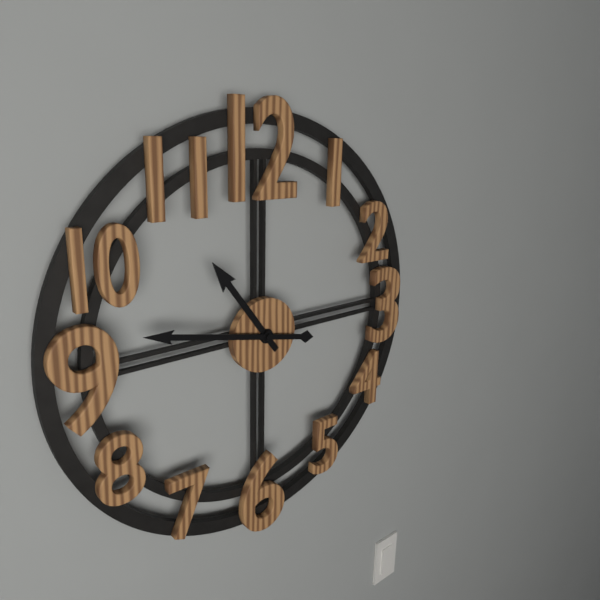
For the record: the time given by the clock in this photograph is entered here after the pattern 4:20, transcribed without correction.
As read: 10:47
